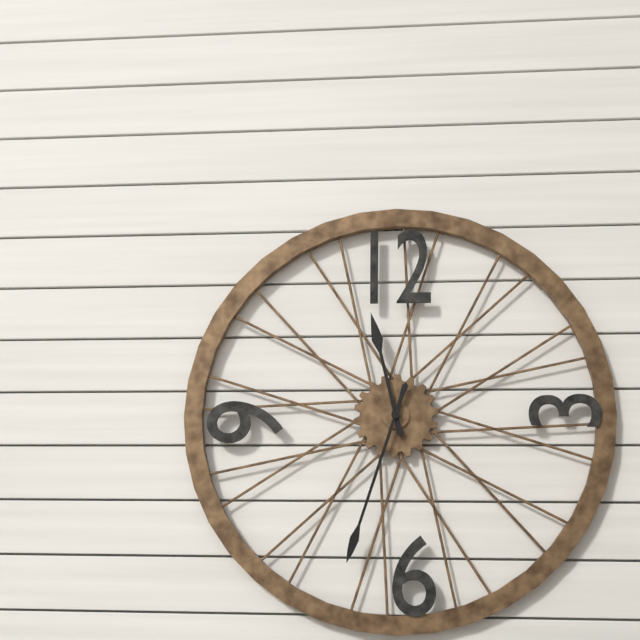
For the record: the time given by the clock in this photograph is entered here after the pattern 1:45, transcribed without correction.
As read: 11:33
